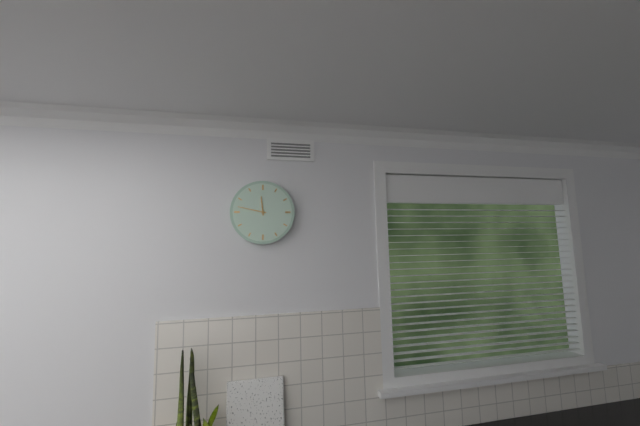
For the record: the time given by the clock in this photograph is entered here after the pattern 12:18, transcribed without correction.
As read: 11:47
